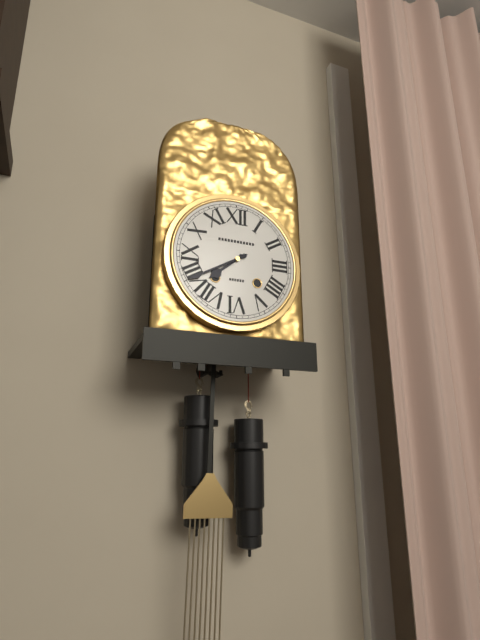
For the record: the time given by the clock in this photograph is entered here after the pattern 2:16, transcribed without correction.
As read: 7:40
